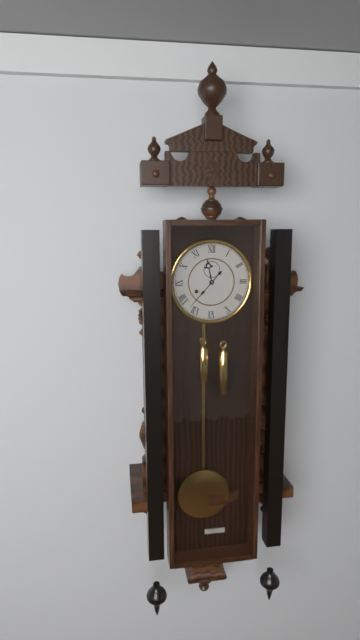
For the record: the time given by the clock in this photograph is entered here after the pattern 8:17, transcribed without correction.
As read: 11:37
